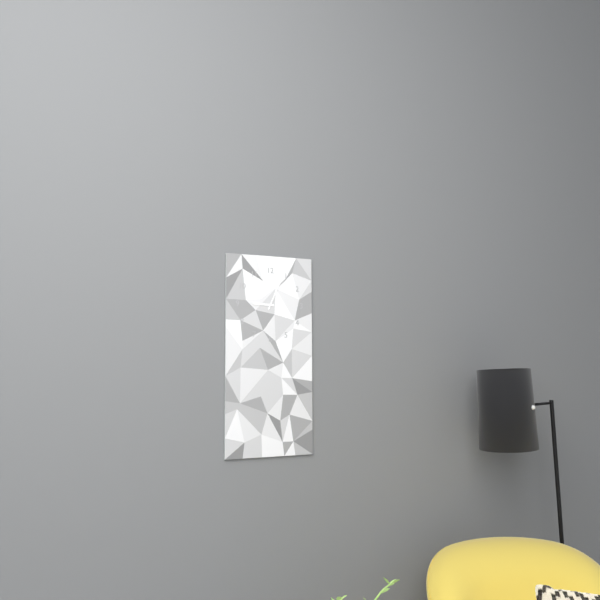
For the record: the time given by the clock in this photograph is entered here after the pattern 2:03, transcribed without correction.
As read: 9:04
